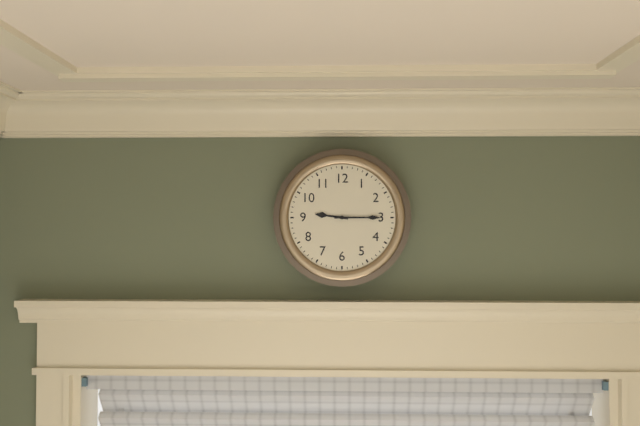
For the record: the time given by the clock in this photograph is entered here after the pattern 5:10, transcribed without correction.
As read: 9:15
